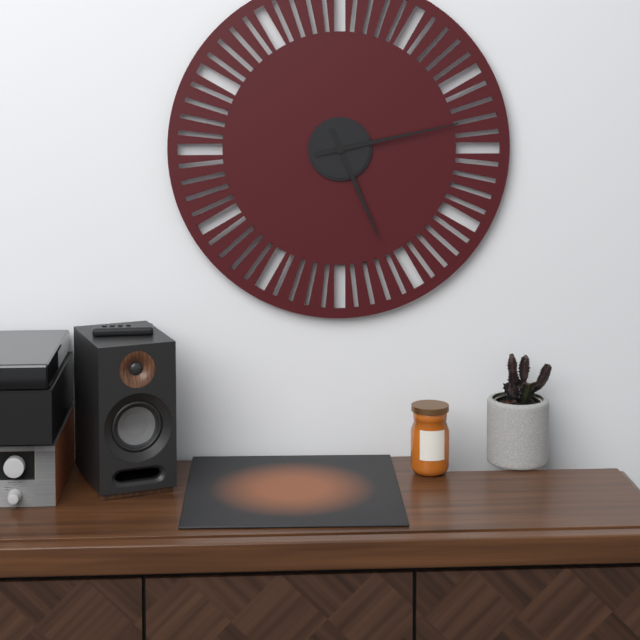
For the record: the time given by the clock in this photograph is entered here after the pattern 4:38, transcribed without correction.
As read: 5:13
